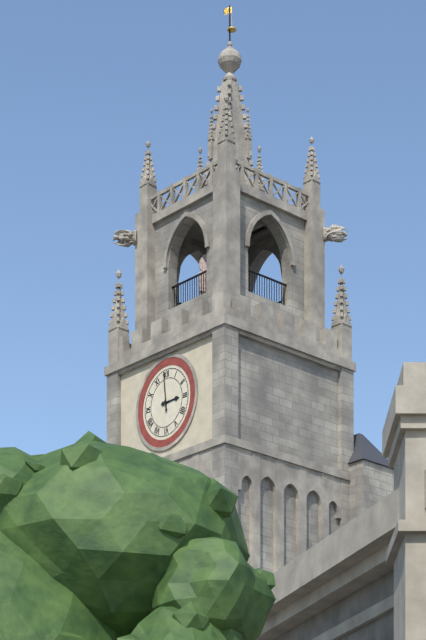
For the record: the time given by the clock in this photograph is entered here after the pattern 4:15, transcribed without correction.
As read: 2:59
